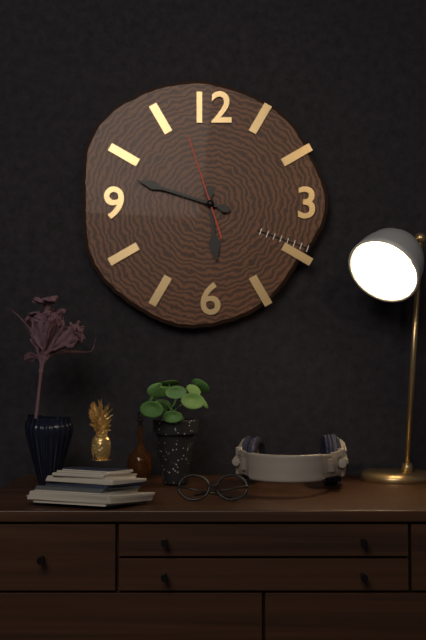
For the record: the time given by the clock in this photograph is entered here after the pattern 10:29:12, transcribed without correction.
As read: 5:48:57
